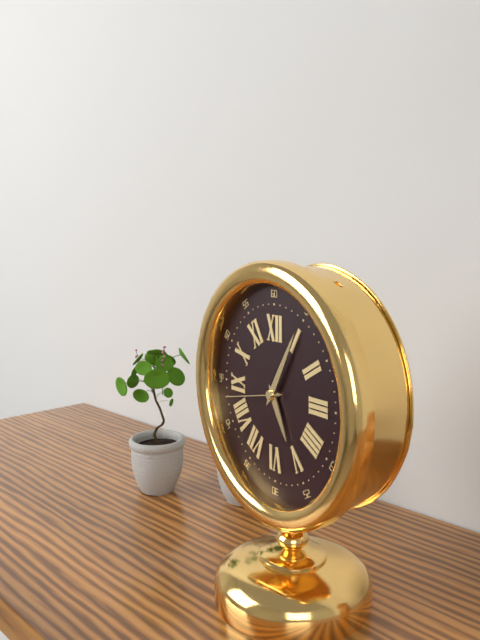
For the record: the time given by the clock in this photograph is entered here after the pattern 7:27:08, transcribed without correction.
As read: 5:05:43
